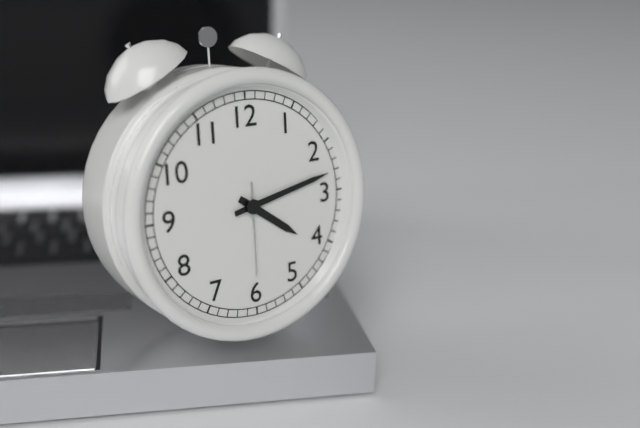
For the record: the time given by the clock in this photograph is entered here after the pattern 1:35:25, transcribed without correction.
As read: 4:13:30
